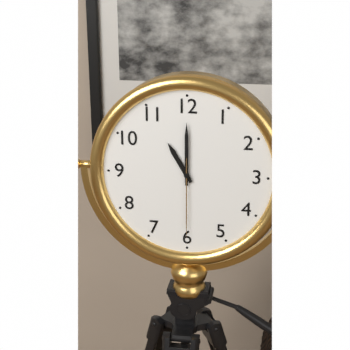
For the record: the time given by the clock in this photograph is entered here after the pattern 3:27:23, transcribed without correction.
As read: 11:00:30
